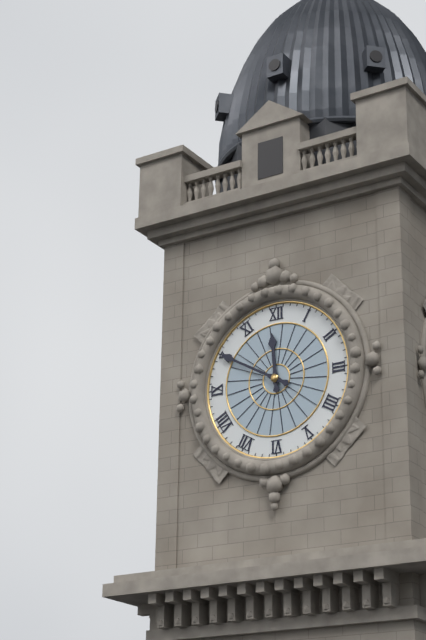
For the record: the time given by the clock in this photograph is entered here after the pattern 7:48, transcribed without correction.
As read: 11:50
